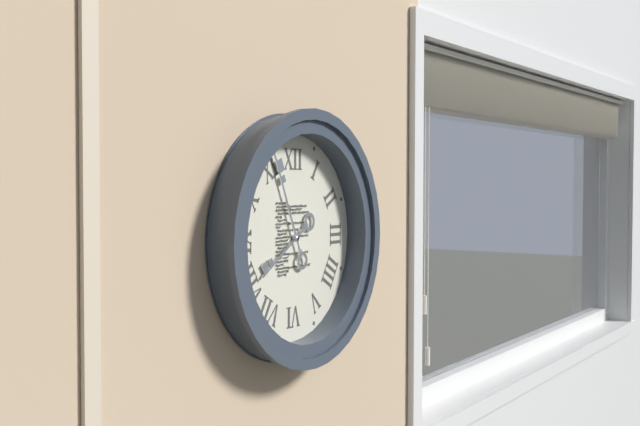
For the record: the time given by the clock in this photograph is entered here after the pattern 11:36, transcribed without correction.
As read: 7:56
